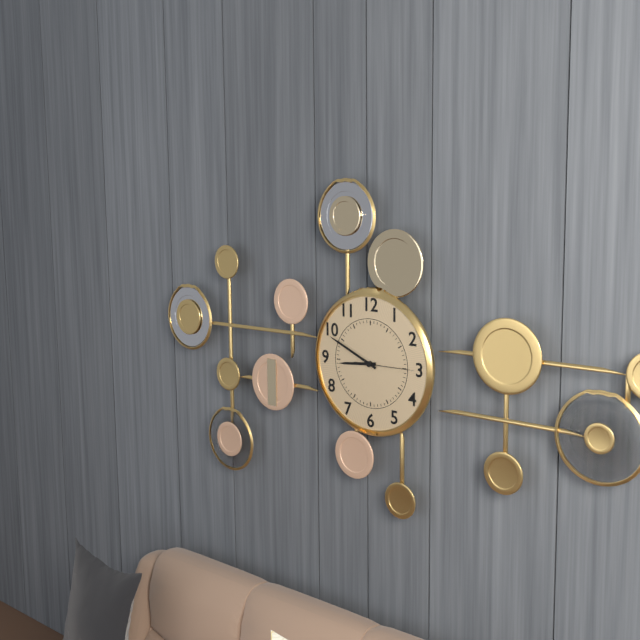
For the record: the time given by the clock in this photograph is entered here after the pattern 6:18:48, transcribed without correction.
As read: 8:49:15
